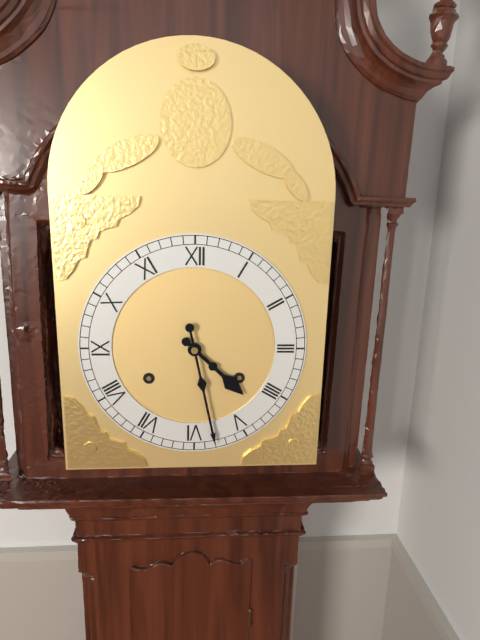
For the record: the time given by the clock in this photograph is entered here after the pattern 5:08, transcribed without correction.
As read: 4:28
